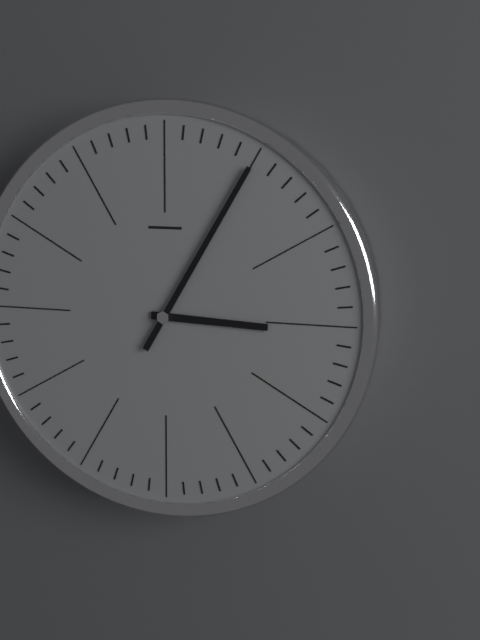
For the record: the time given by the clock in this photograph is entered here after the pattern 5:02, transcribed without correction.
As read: 3:05
